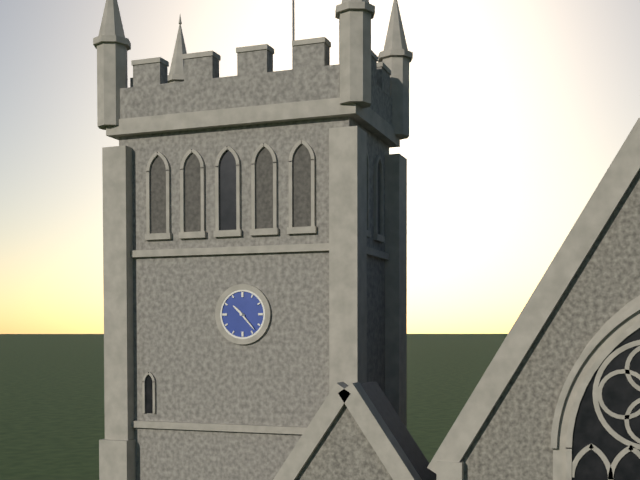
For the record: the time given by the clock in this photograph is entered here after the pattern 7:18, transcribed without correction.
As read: 10:23
